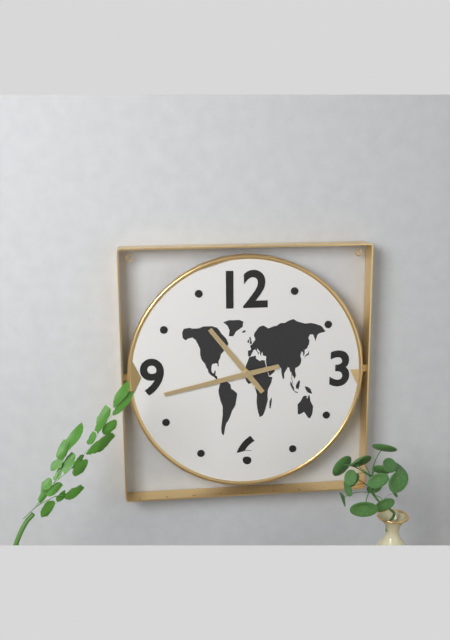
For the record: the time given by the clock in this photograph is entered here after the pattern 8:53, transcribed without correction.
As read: 10:43
